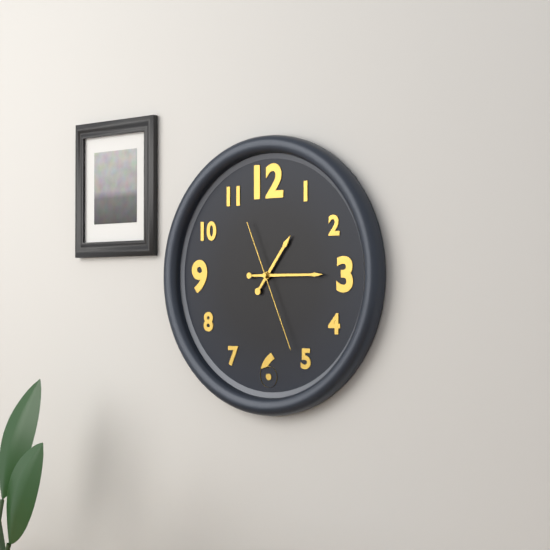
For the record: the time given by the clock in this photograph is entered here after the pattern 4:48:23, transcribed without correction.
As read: 1:15:26
